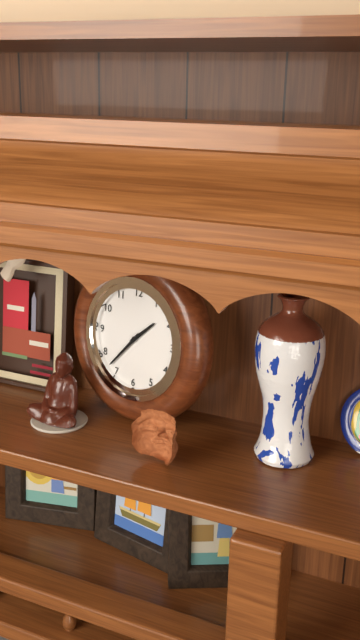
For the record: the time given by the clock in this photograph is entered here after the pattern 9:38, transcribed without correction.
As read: 1:37
